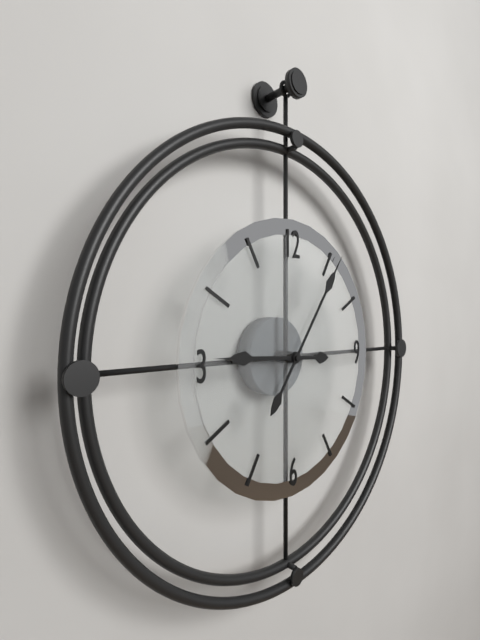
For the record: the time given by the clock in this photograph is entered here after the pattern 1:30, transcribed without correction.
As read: 9:06
